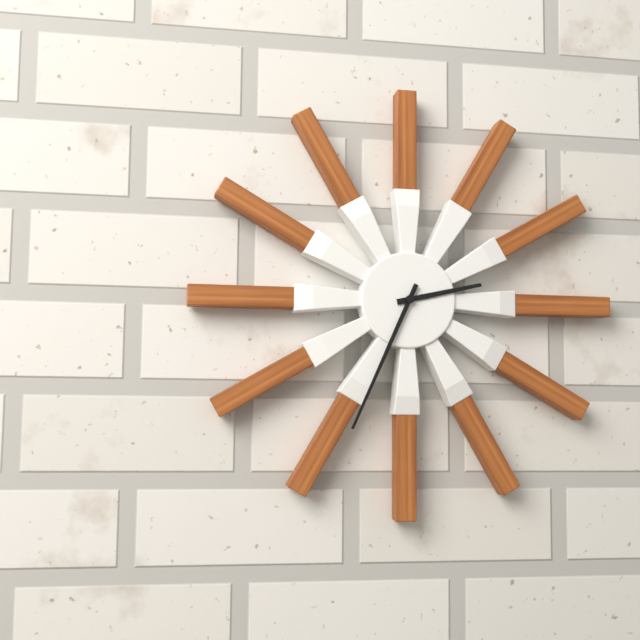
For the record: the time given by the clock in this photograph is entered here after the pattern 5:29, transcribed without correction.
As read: 2:34
